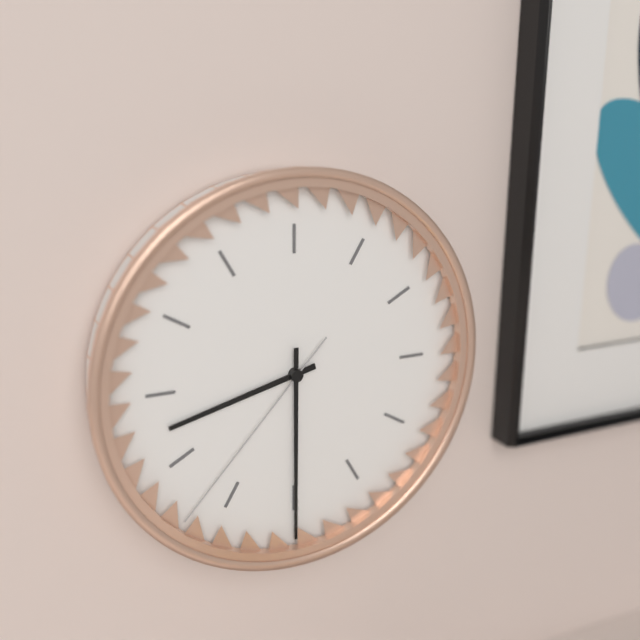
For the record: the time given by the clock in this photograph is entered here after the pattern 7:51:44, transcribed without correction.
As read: 8:30:37
